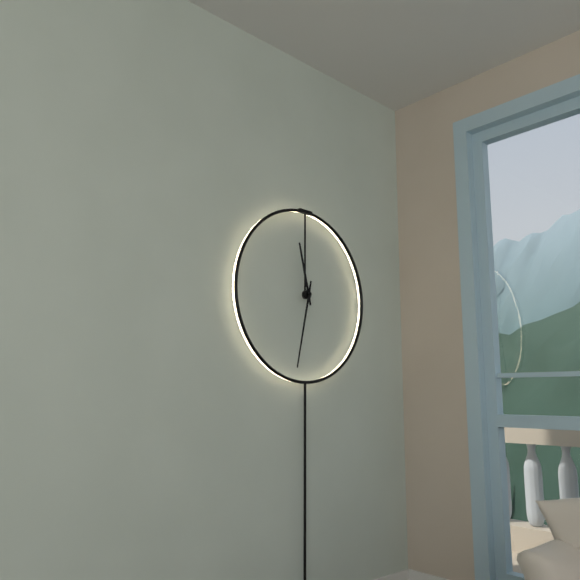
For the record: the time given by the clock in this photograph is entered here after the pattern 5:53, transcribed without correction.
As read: 11:32
